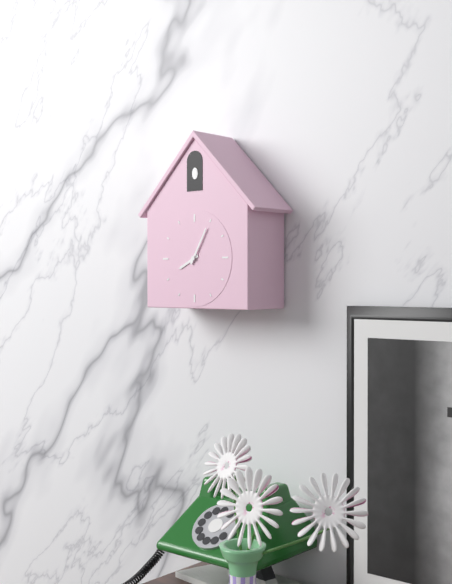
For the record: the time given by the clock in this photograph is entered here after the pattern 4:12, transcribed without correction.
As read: 8:05
